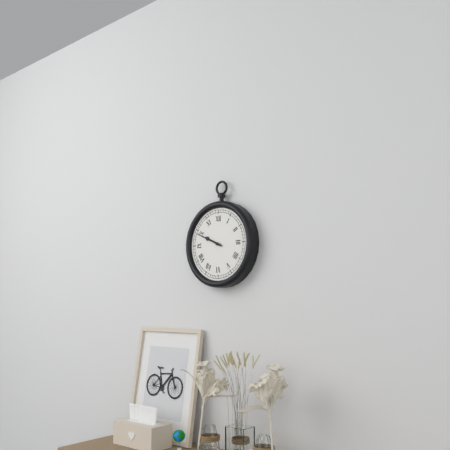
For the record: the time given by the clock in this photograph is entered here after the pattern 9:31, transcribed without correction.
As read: 9:49
